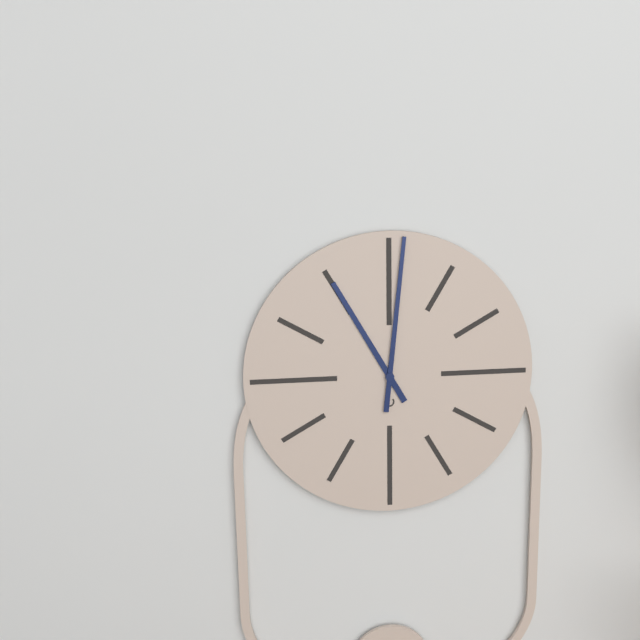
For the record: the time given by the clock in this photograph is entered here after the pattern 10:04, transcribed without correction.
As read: 11:01
